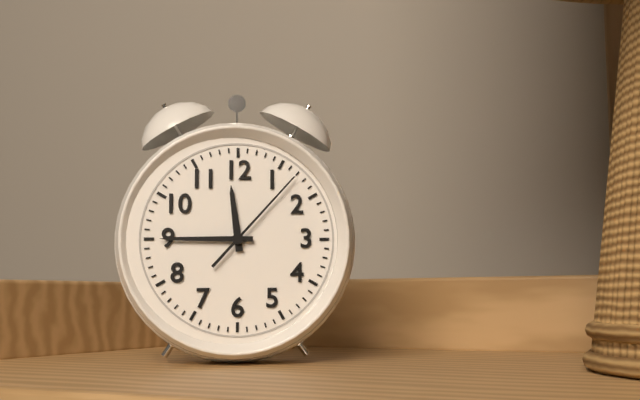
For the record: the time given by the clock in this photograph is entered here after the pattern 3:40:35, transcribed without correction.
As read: 11:45:07
